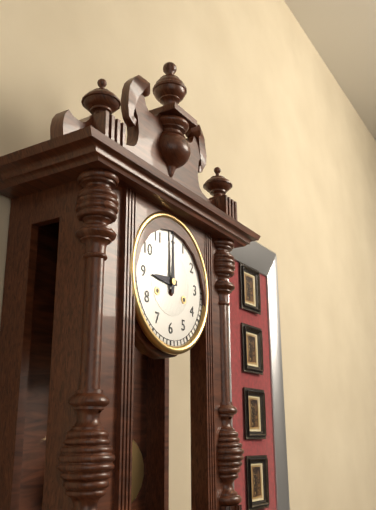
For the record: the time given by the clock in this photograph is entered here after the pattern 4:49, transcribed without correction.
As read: 9:00
